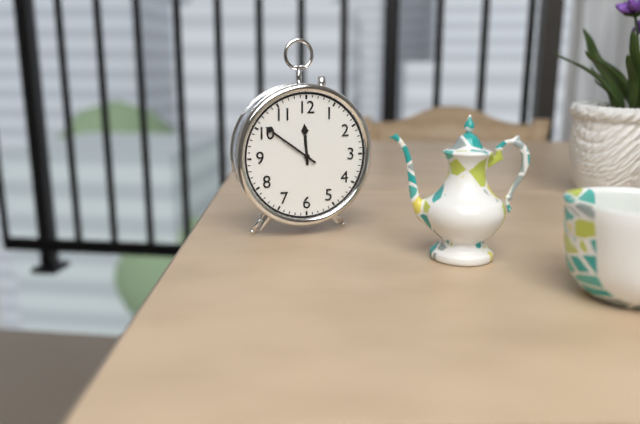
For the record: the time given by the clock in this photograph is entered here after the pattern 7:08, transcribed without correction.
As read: 11:51
